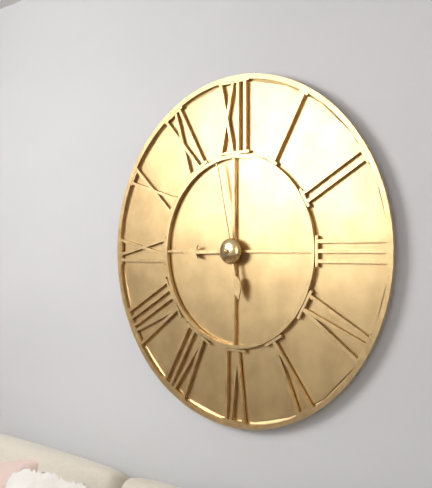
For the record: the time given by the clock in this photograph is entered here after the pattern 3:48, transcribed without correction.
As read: 8:58
